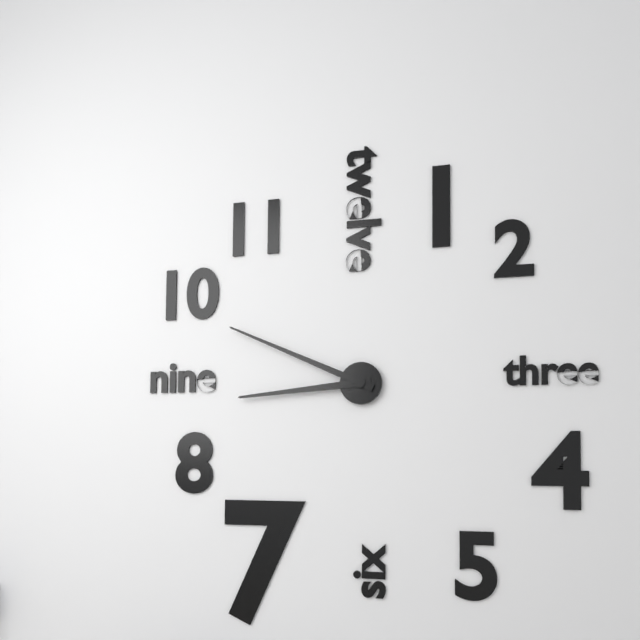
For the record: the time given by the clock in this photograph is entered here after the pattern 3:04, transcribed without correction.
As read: 8:49
